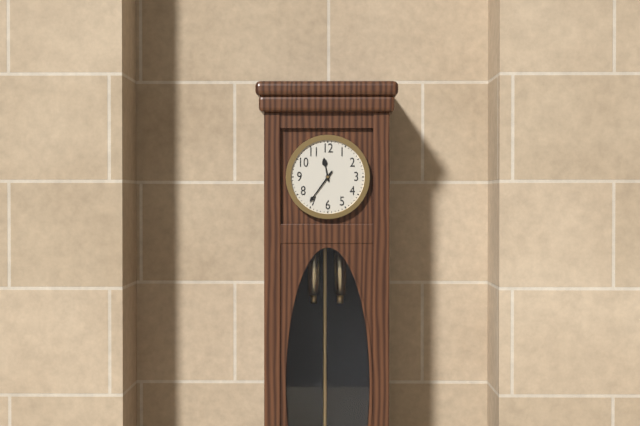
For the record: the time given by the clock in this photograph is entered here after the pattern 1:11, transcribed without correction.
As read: 11:36
